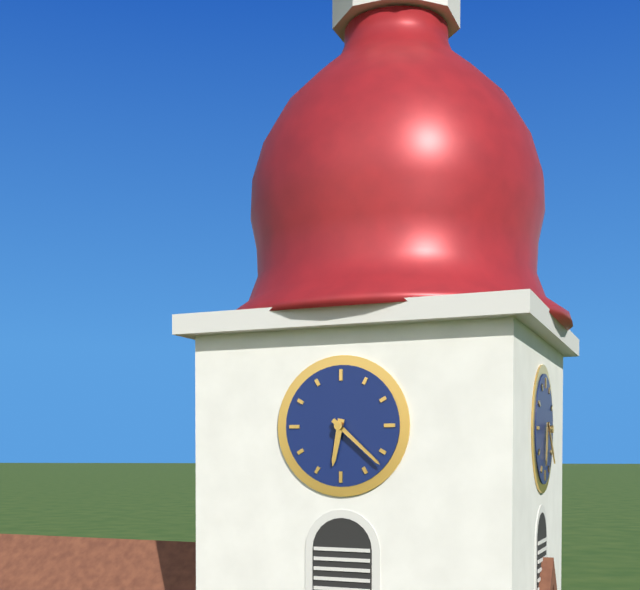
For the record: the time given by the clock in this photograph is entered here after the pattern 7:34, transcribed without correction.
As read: 6:22
